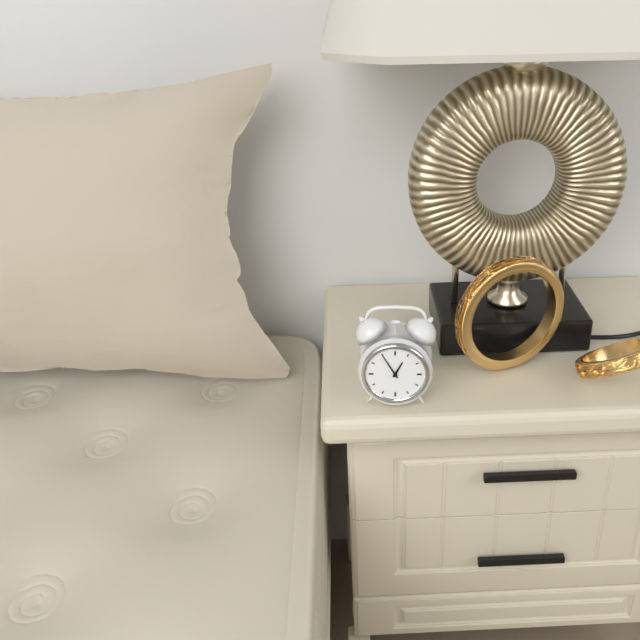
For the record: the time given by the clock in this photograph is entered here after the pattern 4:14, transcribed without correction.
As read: 12:55
